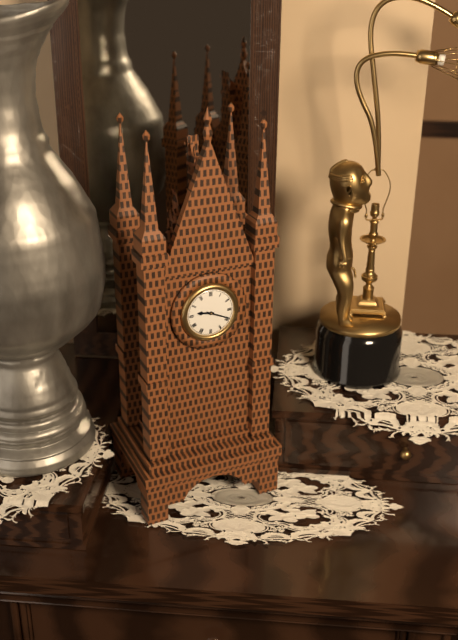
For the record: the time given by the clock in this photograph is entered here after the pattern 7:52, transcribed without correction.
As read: 9:19
